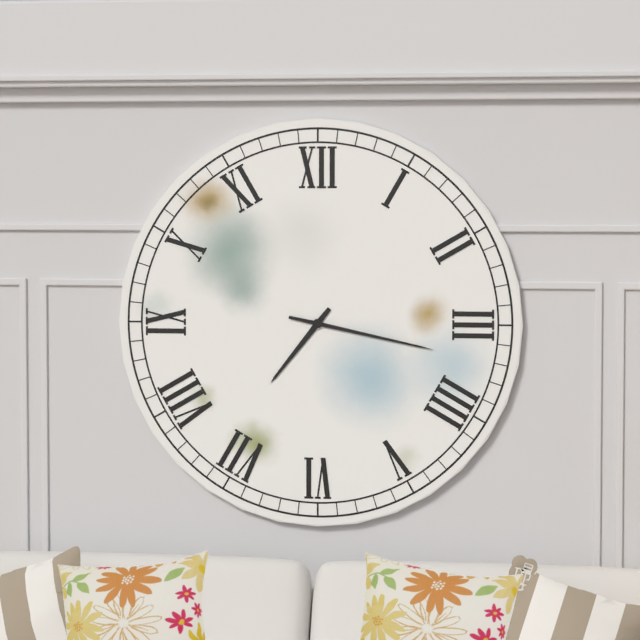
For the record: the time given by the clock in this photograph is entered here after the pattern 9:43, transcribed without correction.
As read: 7:17
